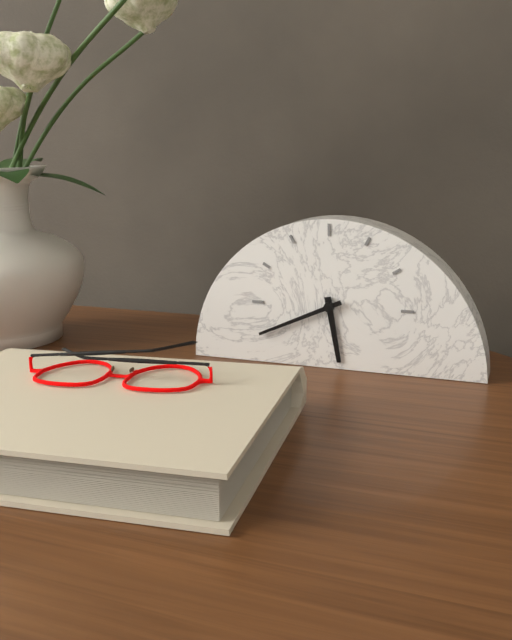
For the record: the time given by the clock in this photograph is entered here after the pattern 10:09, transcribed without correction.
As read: 5:41
